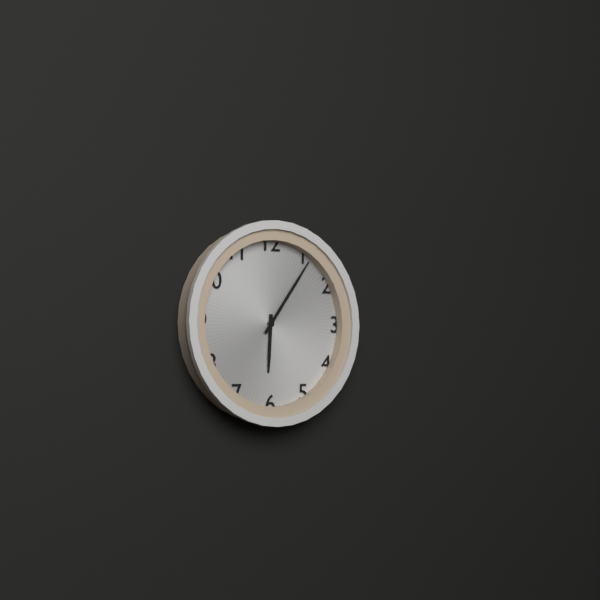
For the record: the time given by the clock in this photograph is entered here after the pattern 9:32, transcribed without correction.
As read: 6:06
